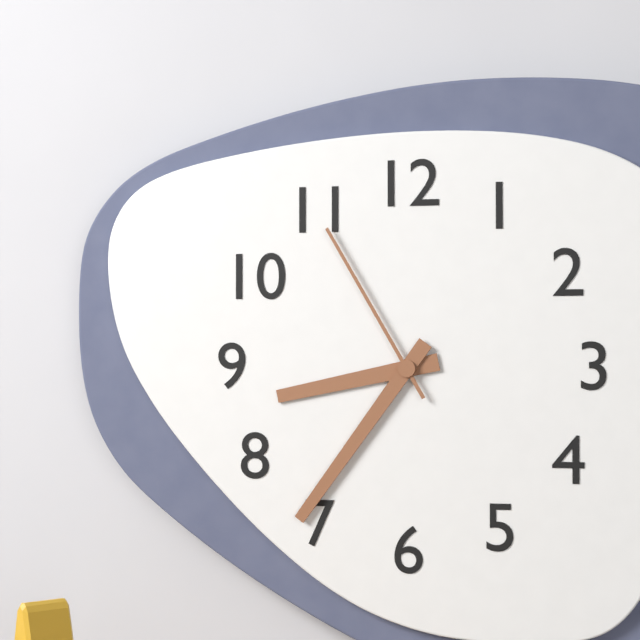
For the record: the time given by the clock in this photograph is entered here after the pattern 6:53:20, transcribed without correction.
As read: 8:36:55
